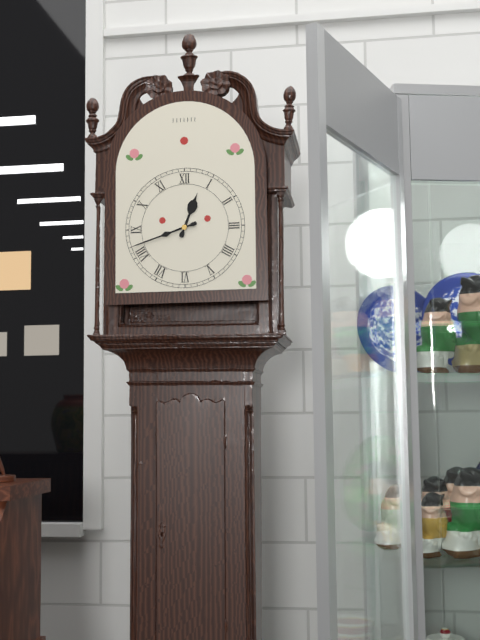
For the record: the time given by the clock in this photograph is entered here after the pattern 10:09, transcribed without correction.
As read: 12:42
